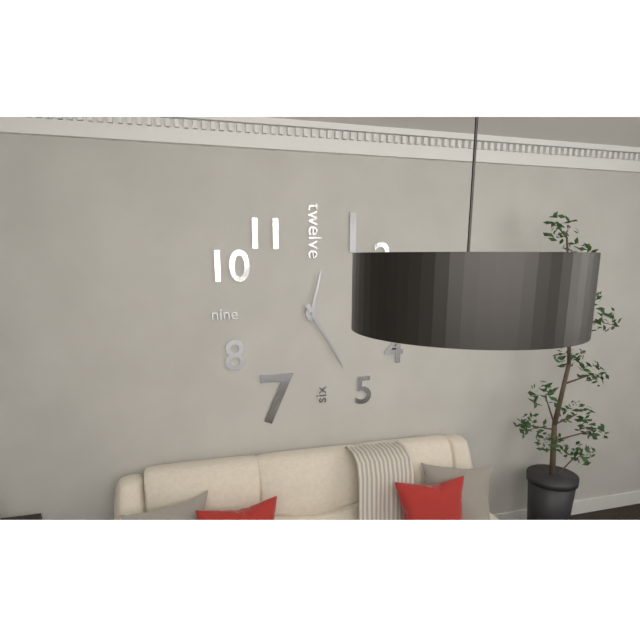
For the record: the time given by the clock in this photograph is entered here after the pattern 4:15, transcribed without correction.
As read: 12:25
